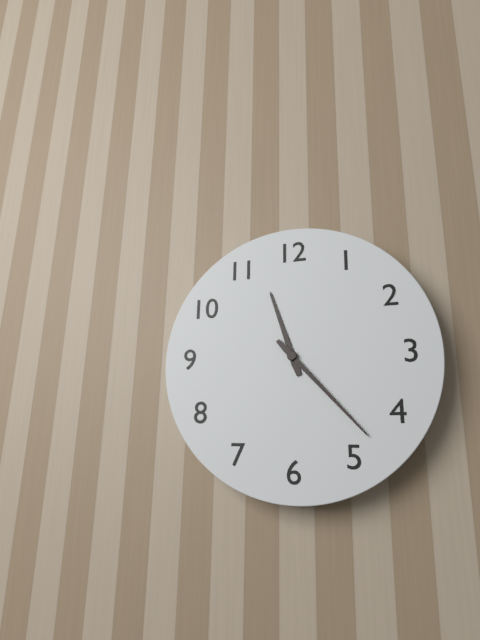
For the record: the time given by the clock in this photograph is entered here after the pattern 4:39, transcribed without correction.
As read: 11:23
